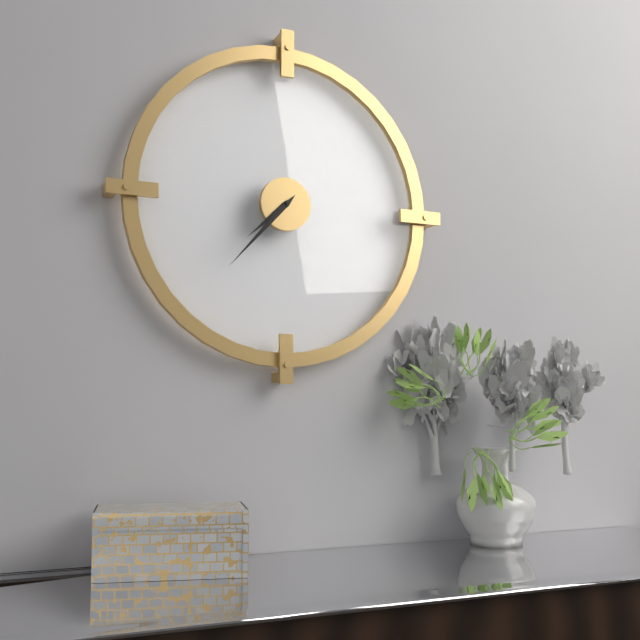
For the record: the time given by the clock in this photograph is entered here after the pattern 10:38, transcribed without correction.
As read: 7:37
